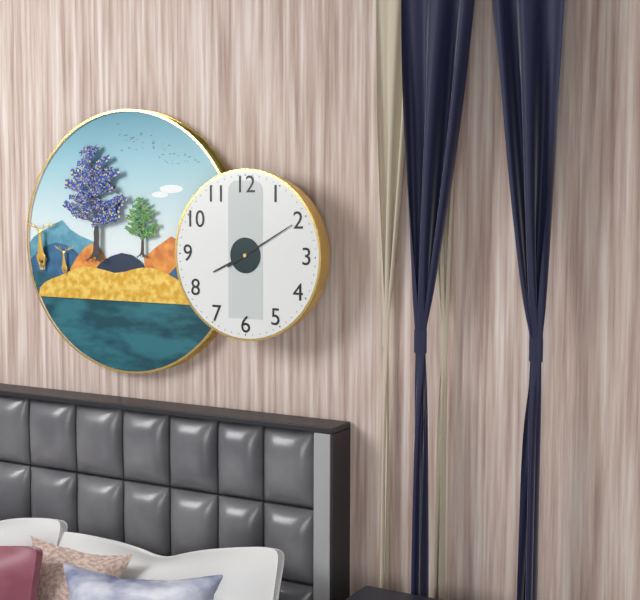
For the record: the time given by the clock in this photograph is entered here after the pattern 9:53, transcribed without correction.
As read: 8:10
